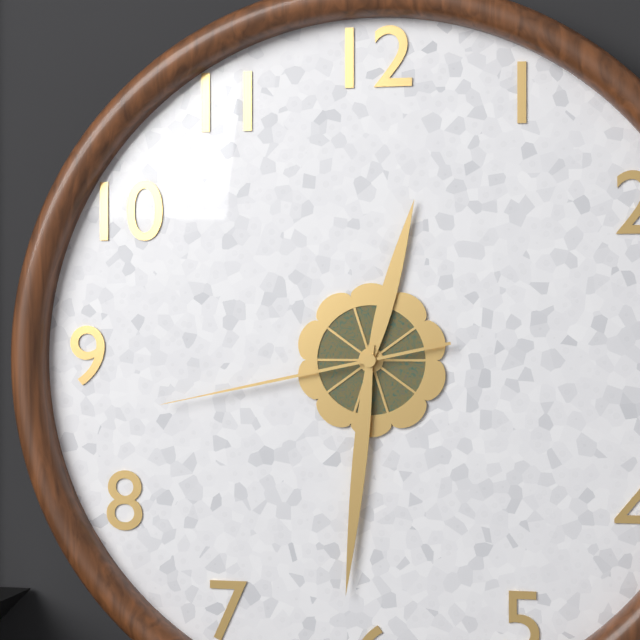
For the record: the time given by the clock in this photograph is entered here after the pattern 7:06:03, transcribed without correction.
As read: 12:31:43
